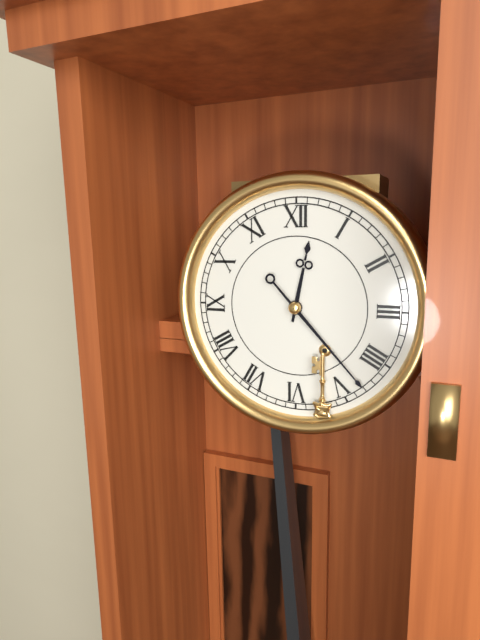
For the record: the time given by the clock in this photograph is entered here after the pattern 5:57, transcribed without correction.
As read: 12:23
